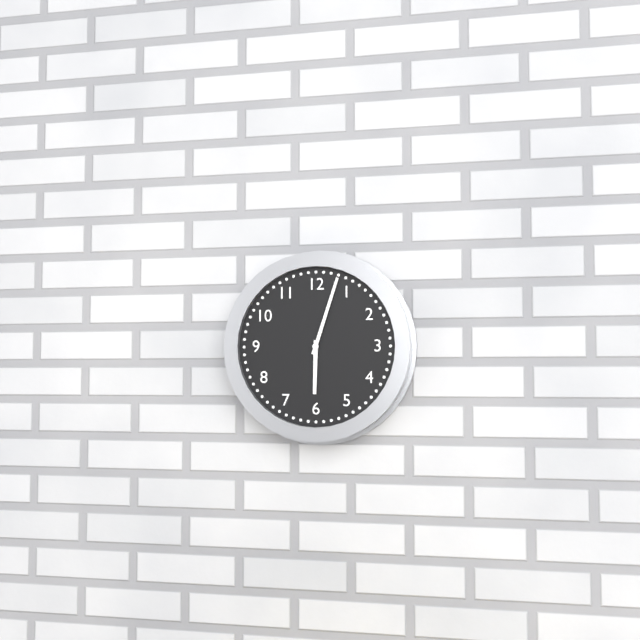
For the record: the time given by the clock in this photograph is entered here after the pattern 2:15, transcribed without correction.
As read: 6:03
